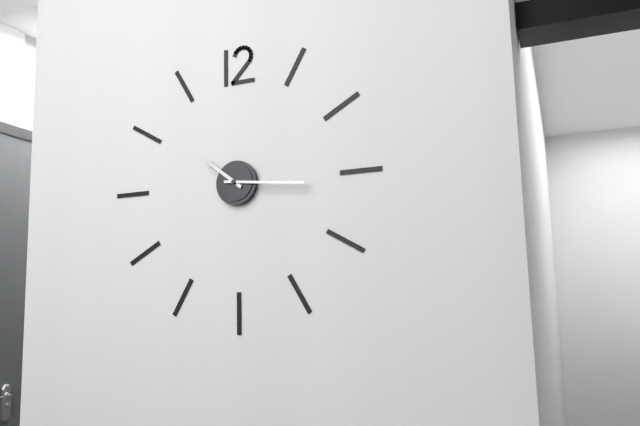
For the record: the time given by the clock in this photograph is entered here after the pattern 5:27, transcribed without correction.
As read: 10:16
